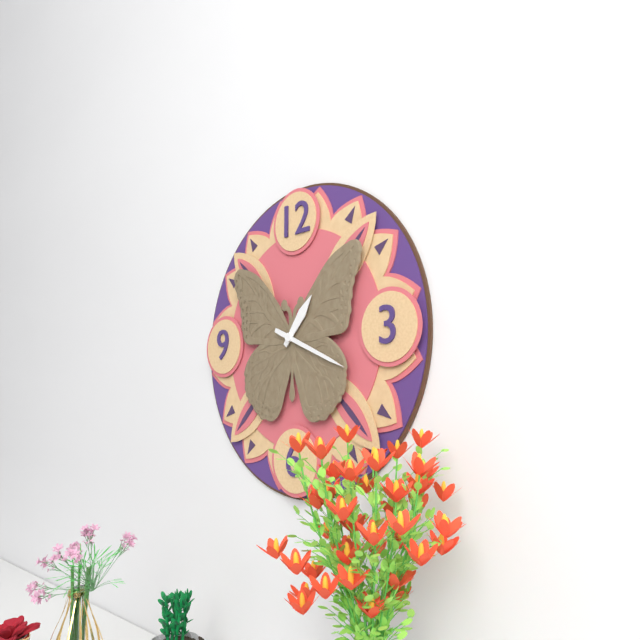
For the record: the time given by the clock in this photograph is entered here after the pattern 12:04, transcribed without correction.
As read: 1:19
